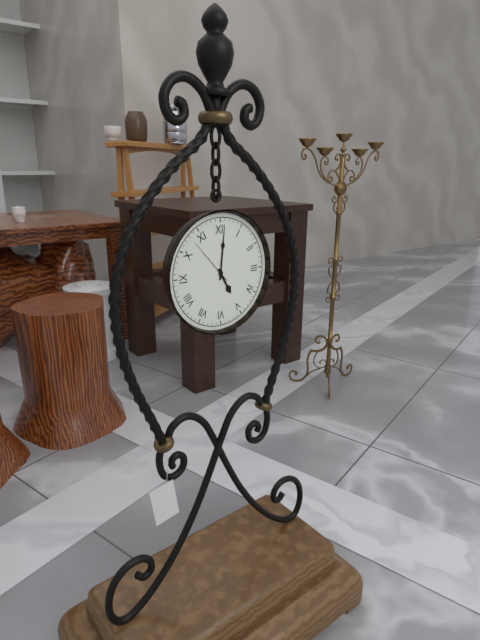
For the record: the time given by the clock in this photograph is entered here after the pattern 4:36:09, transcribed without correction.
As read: 5:01:53
